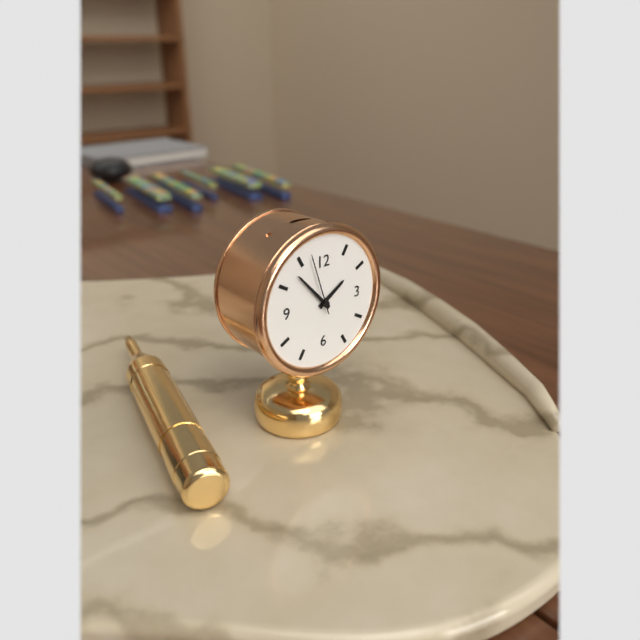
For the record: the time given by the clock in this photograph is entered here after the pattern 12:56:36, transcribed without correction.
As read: 1:53:57
